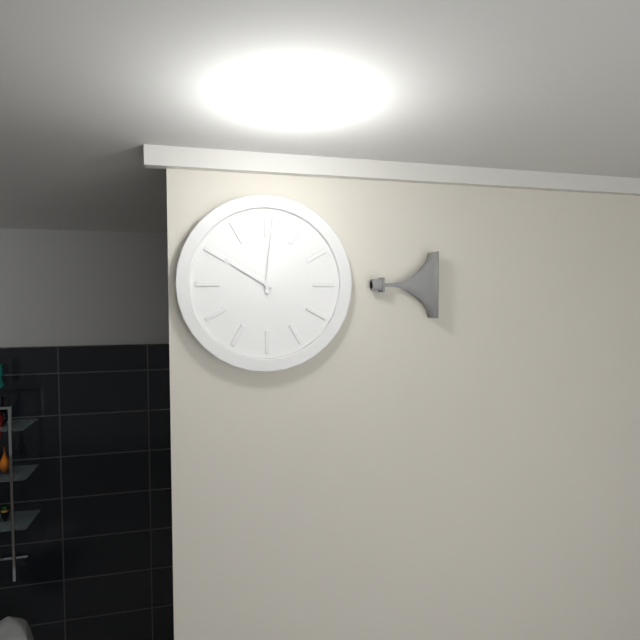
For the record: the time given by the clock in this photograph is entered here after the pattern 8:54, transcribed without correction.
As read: 10:01
